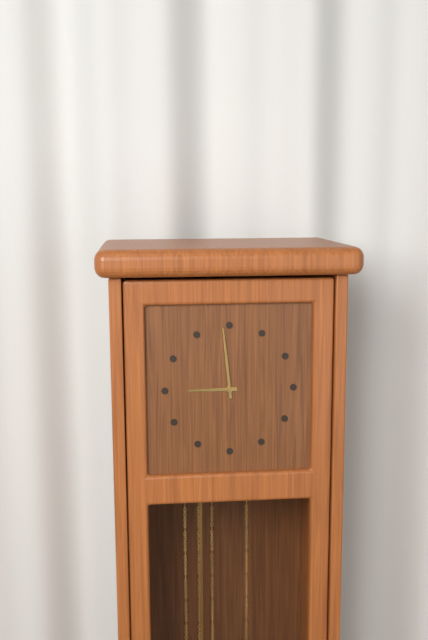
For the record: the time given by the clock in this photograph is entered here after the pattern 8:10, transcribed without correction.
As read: 8:59
